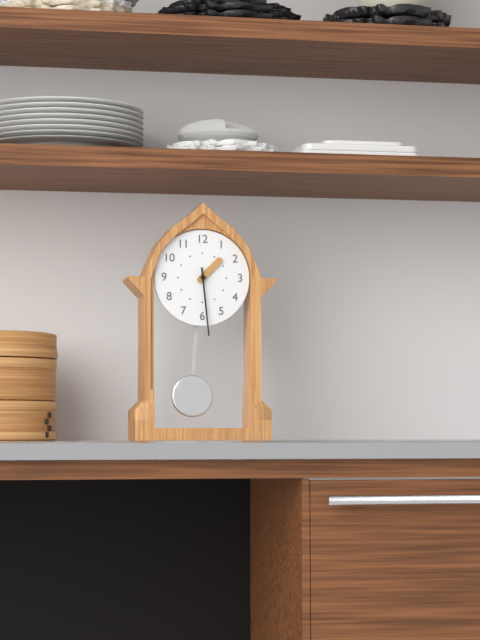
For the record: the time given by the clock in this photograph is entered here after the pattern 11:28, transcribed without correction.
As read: 1:29
